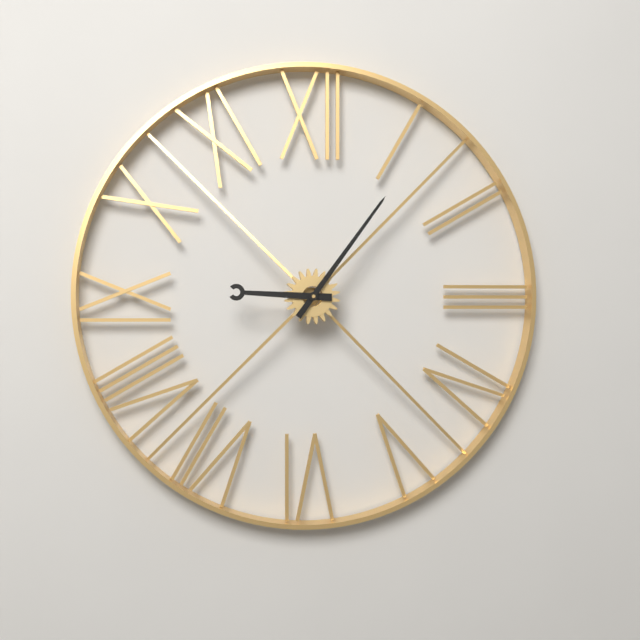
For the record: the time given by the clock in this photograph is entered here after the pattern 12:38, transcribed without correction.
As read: 9:06
